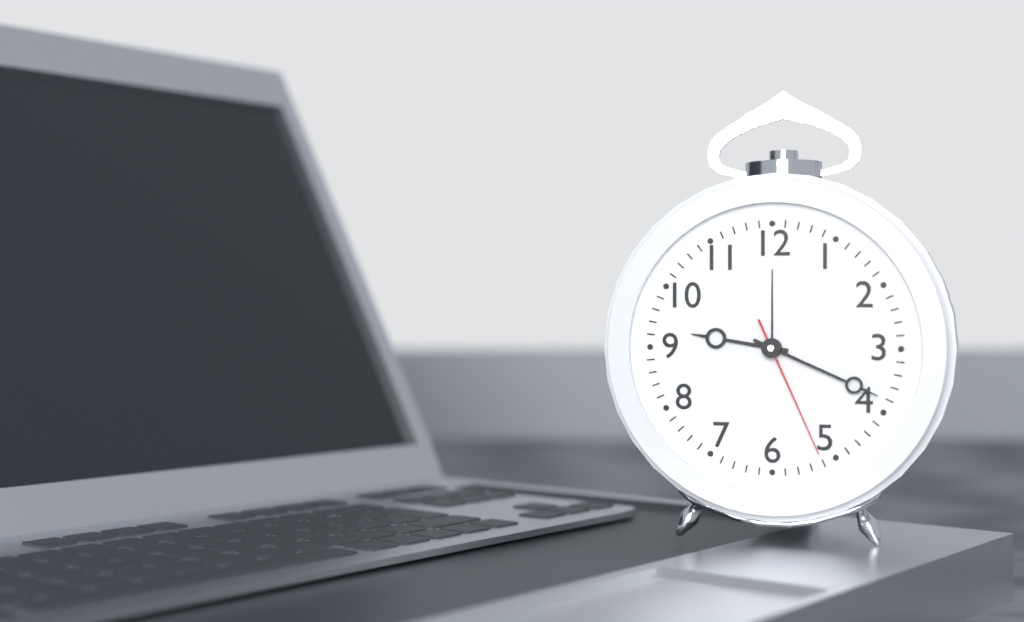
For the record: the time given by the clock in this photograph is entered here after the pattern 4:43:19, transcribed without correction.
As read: 9:19:26
